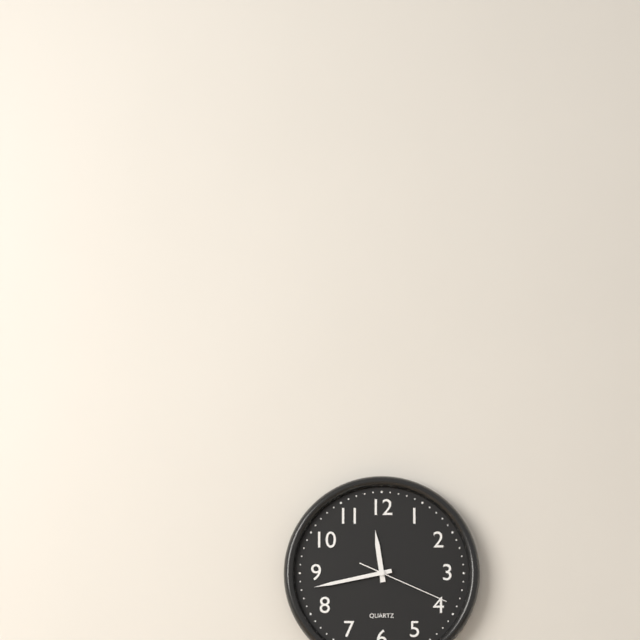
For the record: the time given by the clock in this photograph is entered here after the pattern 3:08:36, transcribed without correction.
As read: 11:43:19
